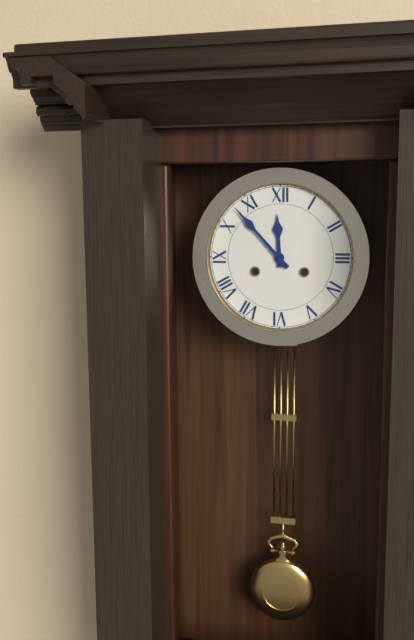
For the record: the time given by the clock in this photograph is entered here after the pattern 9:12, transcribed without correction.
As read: 11:53
